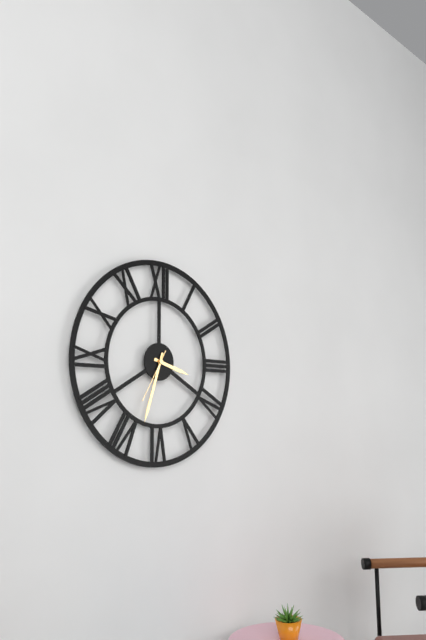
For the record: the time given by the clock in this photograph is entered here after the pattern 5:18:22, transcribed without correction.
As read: 3:33:35
